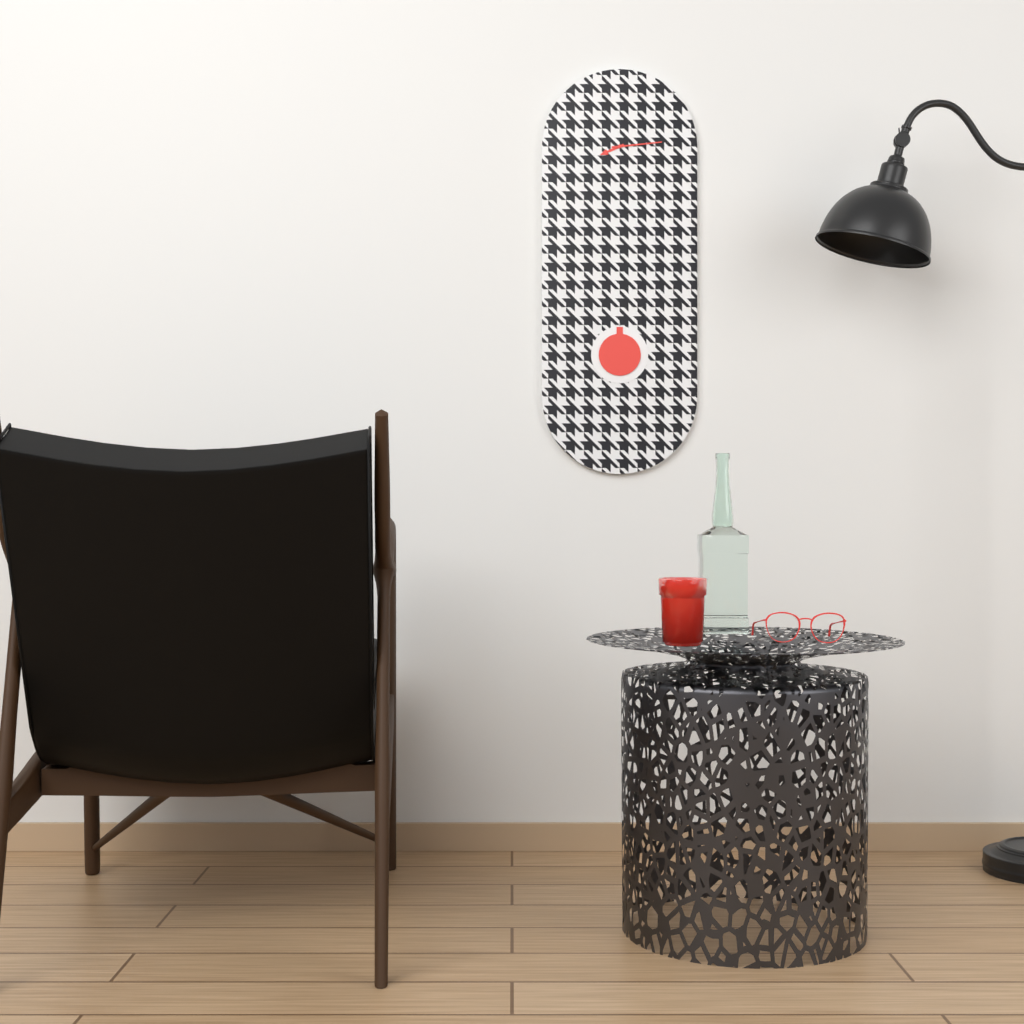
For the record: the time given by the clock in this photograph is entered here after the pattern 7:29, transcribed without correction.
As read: 8:14
